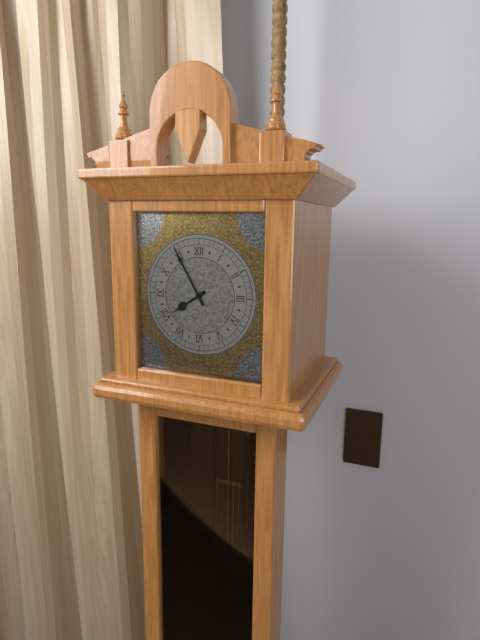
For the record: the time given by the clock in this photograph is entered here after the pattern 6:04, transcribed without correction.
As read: 7:55
